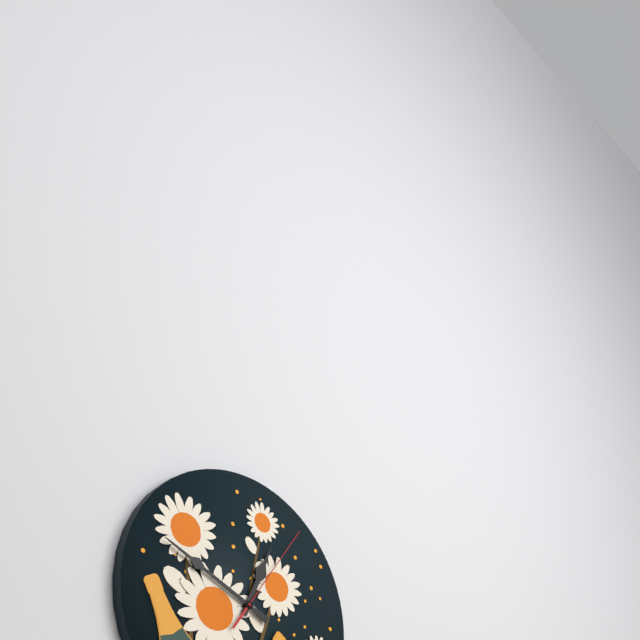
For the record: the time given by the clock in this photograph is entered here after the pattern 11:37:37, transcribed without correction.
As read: 12:49:06
